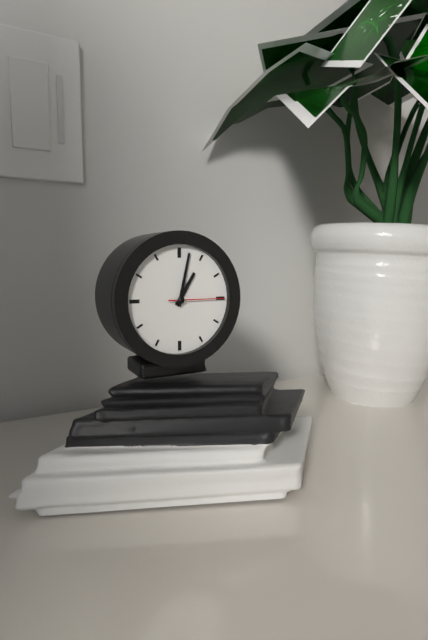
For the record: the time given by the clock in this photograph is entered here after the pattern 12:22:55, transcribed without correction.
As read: 1:02:15
